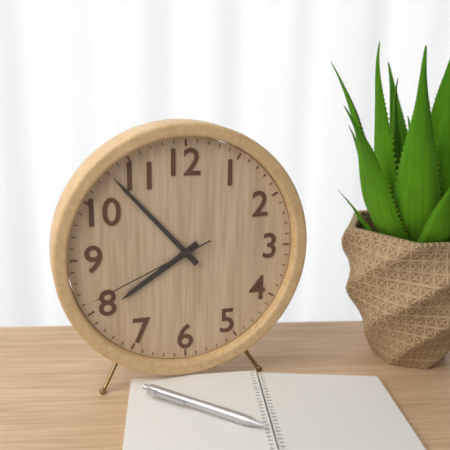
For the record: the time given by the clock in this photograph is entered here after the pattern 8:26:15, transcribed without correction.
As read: 7:53:41
